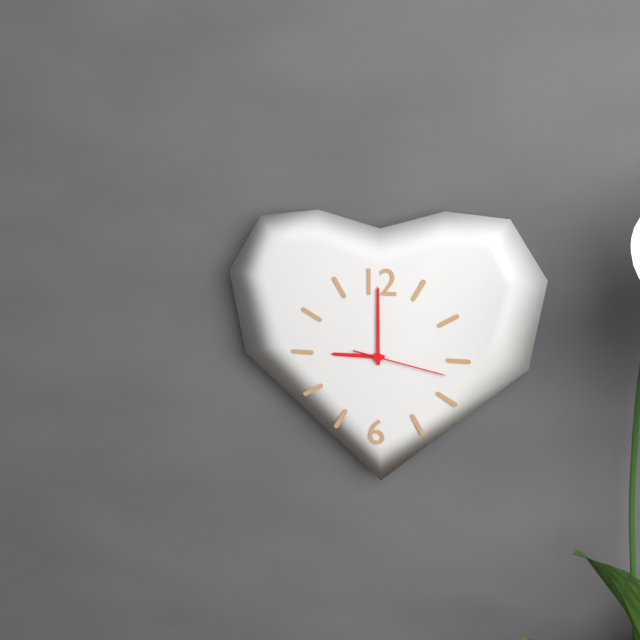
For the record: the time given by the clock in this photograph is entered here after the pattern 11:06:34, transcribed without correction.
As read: 9:00:17
